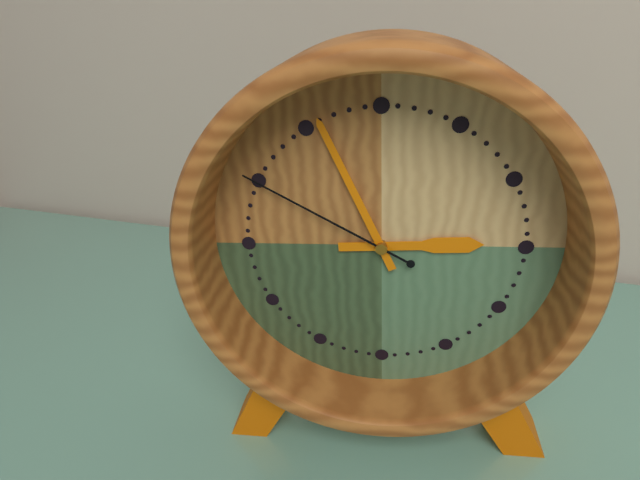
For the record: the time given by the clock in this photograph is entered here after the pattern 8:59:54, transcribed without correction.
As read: 2:56:50
